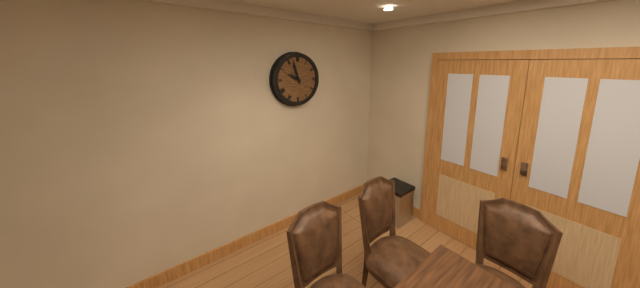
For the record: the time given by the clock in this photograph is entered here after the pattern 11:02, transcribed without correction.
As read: 9:57
